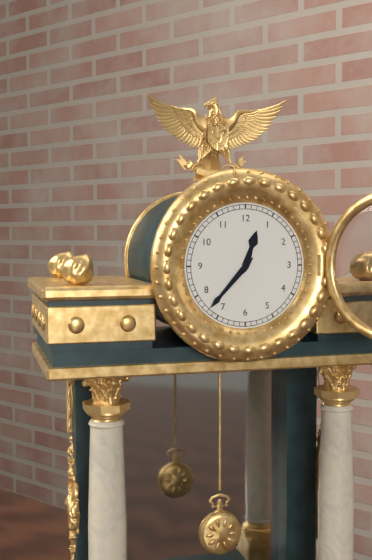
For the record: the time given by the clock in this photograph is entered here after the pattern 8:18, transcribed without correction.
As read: 12:37
